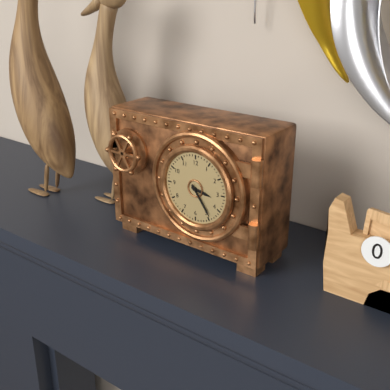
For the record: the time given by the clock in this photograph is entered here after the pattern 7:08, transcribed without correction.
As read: 3:24
